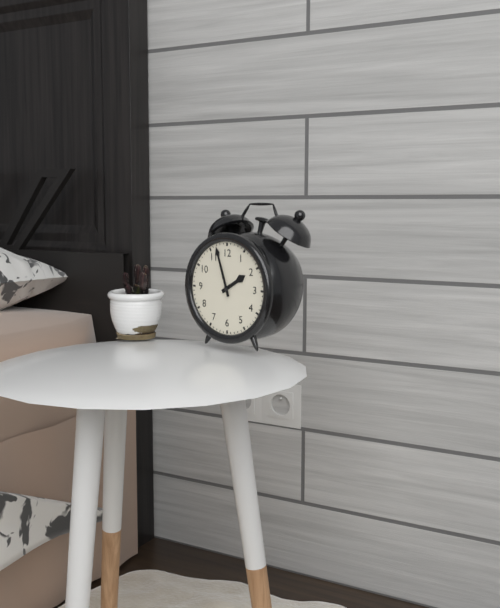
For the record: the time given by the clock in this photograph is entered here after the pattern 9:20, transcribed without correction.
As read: 1:57
